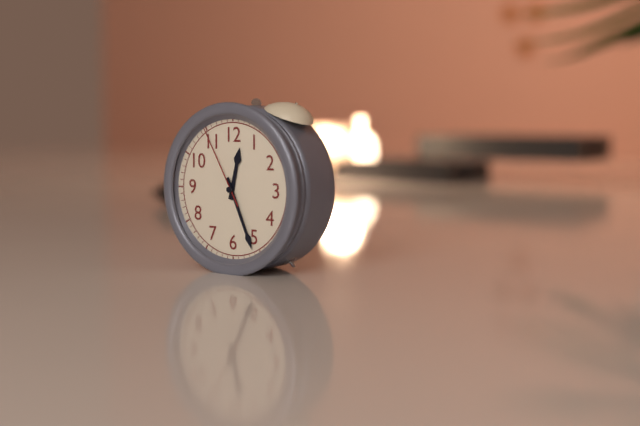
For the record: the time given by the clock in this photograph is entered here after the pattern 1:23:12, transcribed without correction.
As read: 12:26:55
